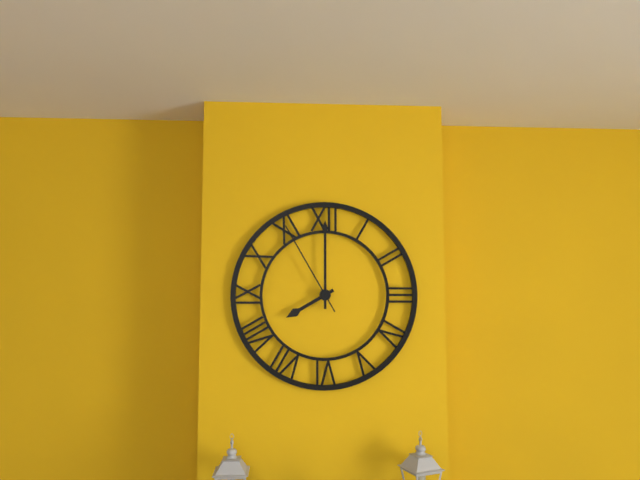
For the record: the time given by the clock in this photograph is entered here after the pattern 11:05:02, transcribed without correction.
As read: 8:00:55
